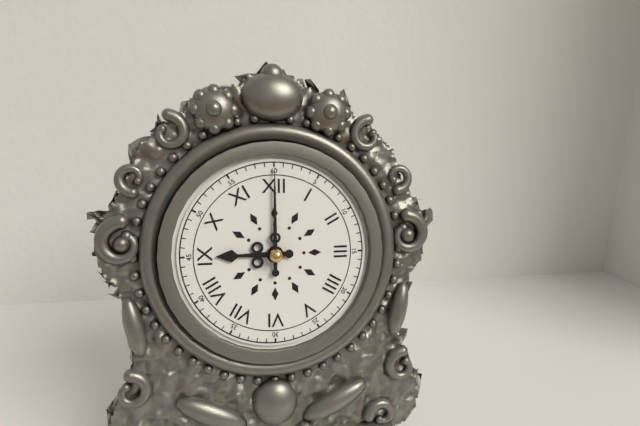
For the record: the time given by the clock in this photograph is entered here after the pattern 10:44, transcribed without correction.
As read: 9:00
